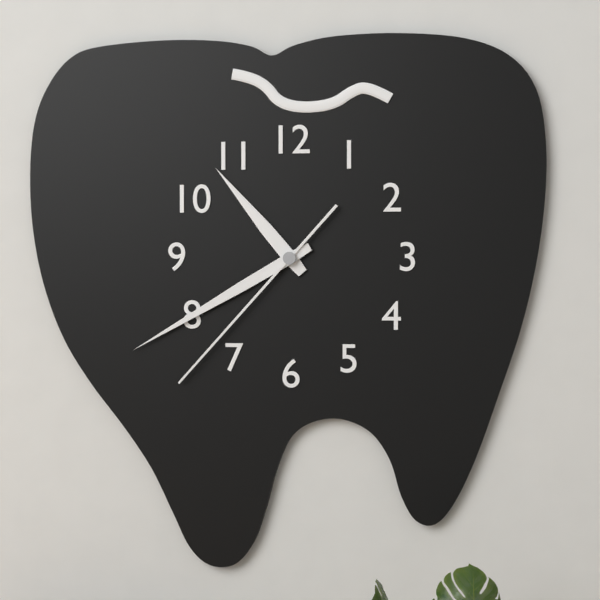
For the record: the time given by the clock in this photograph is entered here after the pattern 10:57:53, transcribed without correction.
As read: 10:40:37
